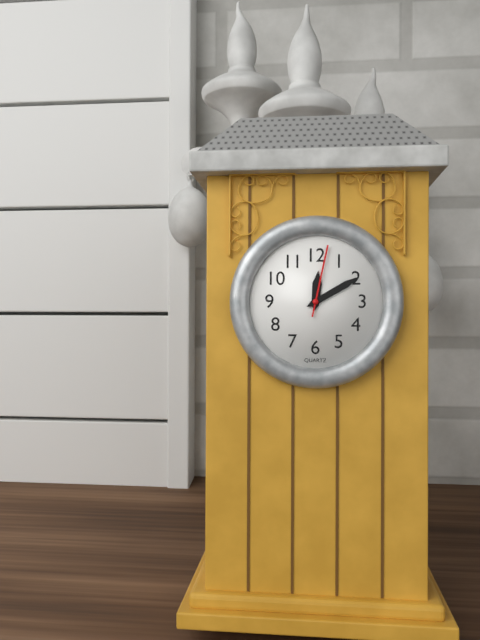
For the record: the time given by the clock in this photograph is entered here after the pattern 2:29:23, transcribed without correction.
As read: 12:10:02
